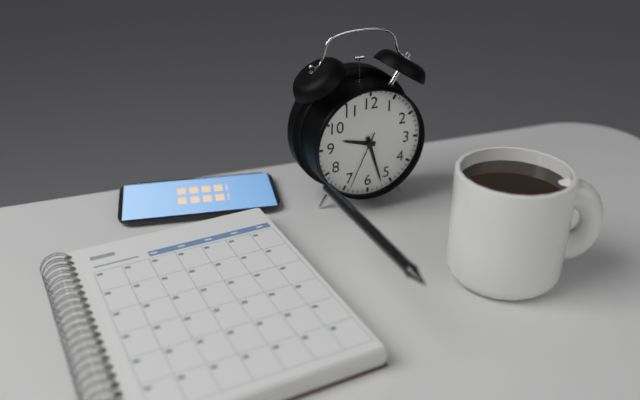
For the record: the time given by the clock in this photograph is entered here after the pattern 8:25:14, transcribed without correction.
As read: 9:27:34
